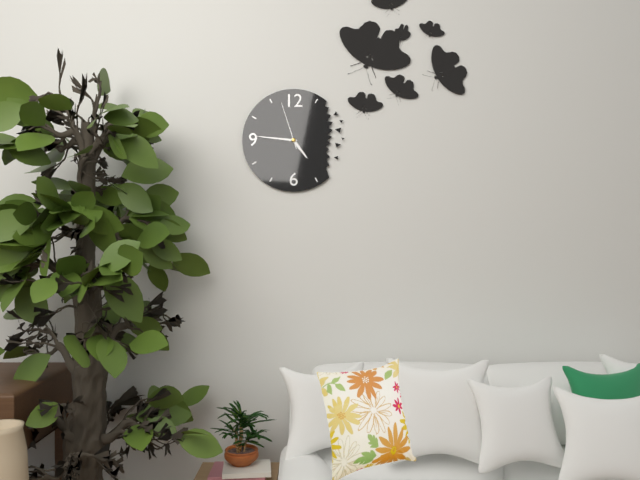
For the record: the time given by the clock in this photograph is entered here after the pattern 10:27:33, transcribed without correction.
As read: 4:46:57
